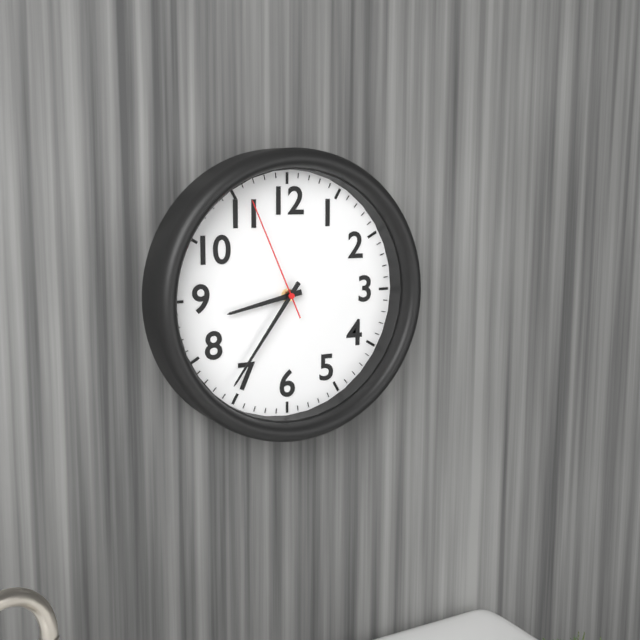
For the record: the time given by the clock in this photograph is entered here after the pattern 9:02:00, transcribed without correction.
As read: 8:36:56
